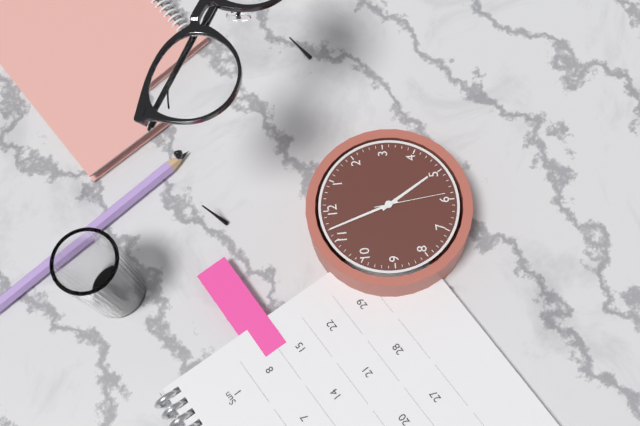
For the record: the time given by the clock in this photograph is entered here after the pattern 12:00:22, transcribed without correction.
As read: 4:57:29
